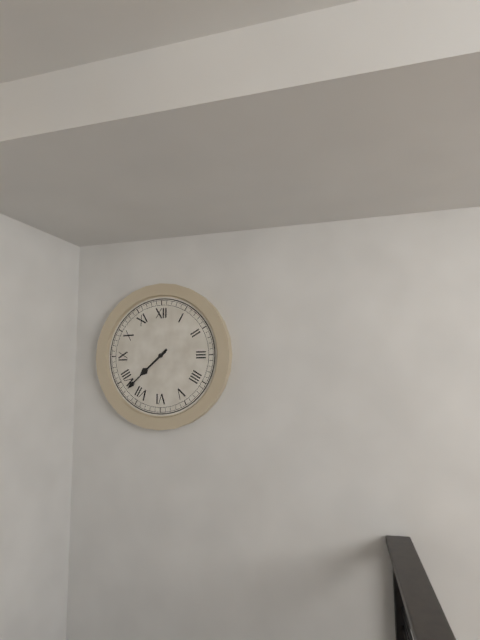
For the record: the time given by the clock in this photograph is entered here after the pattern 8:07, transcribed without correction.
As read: 7:38
